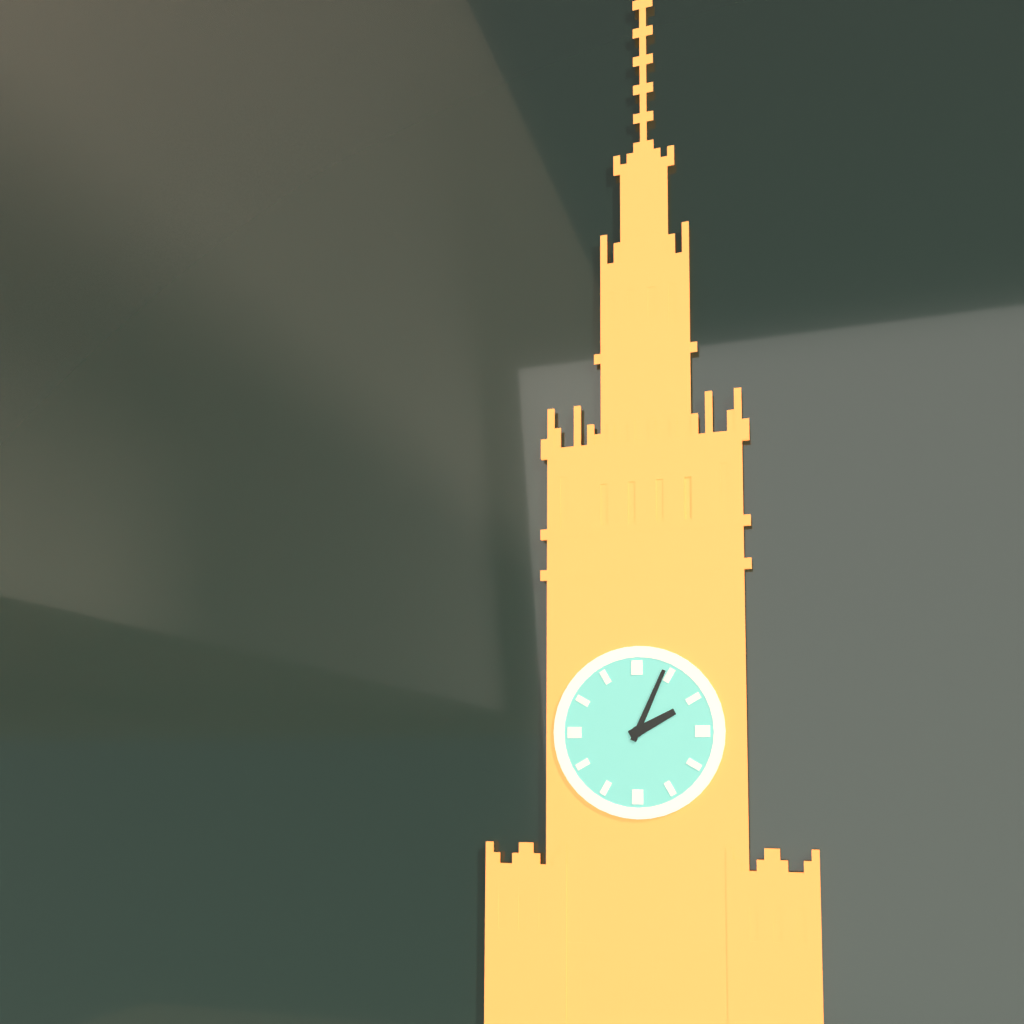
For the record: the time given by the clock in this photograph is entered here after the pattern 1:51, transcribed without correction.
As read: 2:04
